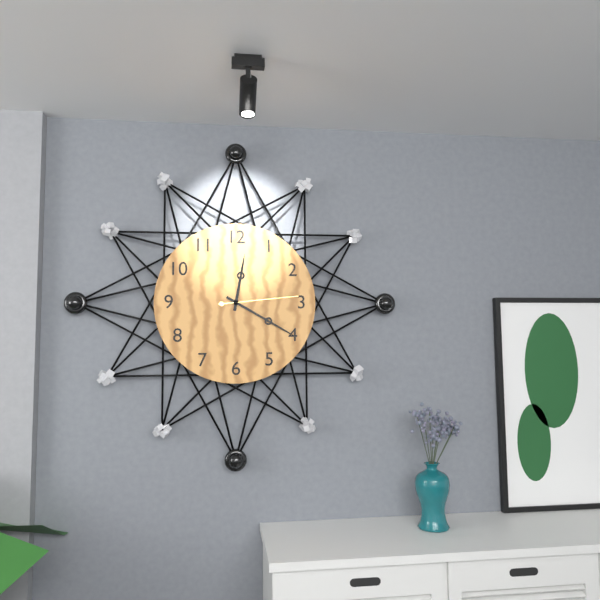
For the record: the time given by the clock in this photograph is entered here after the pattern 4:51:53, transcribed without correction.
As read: 12:20:14
